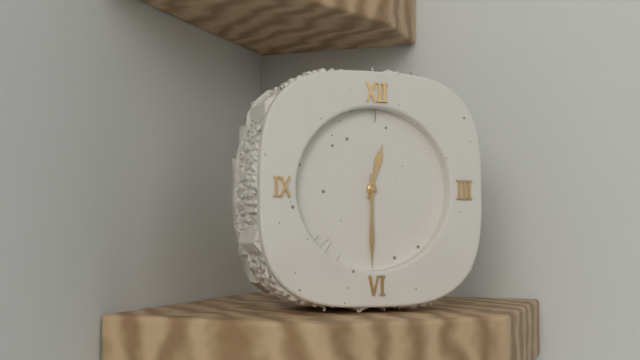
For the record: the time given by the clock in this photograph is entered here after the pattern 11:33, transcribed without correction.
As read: 12:30
